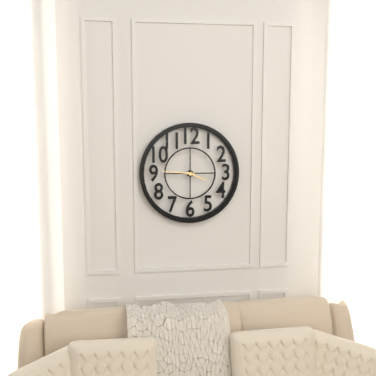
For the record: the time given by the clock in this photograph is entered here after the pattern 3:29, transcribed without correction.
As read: 3:46
